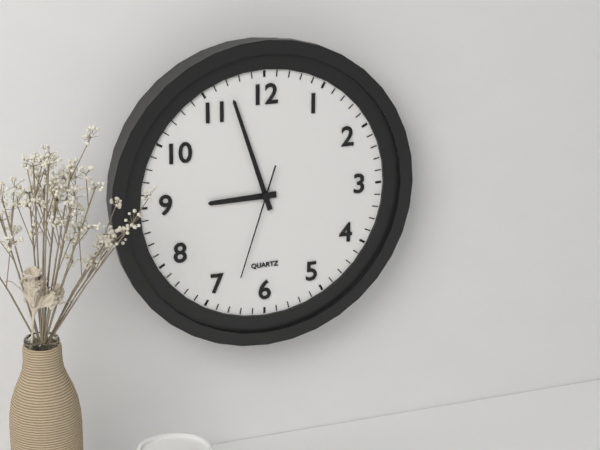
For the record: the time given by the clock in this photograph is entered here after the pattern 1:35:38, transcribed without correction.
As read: 8:57:33
